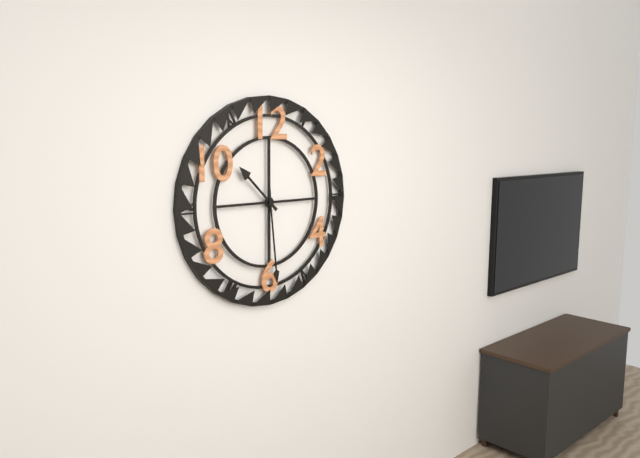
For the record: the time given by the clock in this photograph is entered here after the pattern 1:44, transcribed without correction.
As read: 10:29
